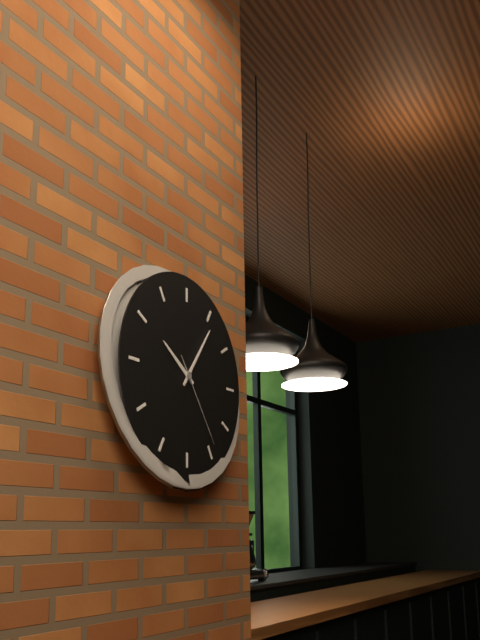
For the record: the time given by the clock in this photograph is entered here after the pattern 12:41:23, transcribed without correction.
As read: 10:06:24
